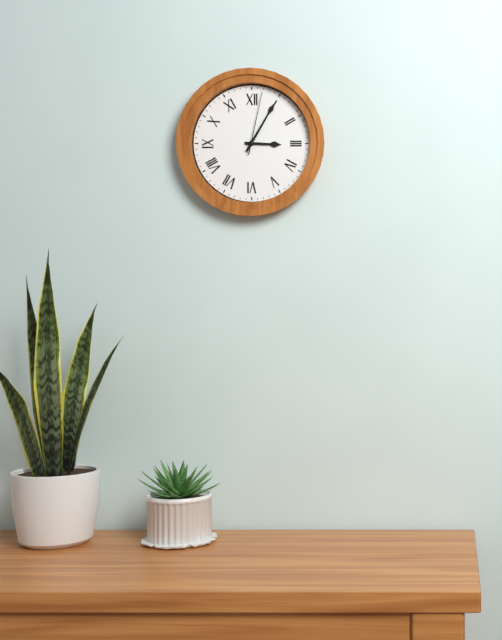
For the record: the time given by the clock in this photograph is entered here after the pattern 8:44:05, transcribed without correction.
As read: 3:05:02
